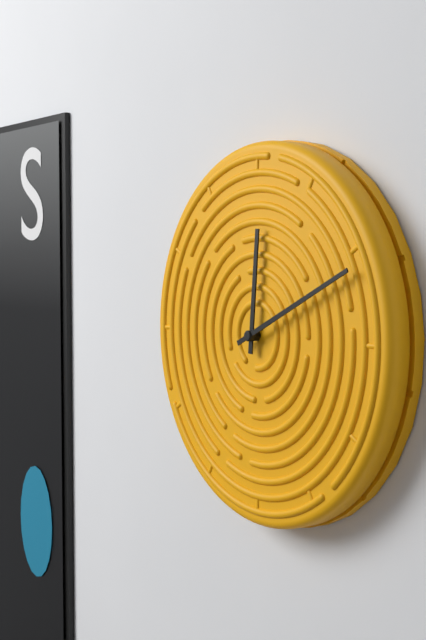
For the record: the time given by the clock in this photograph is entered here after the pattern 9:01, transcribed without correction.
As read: 12:11
